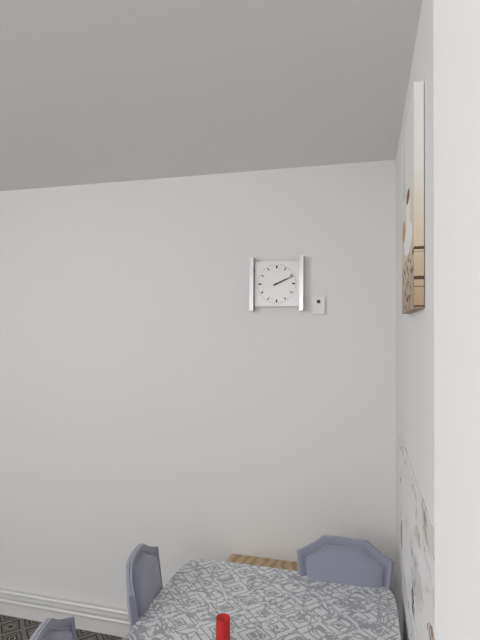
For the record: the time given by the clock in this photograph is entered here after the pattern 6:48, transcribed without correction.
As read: 2:11
